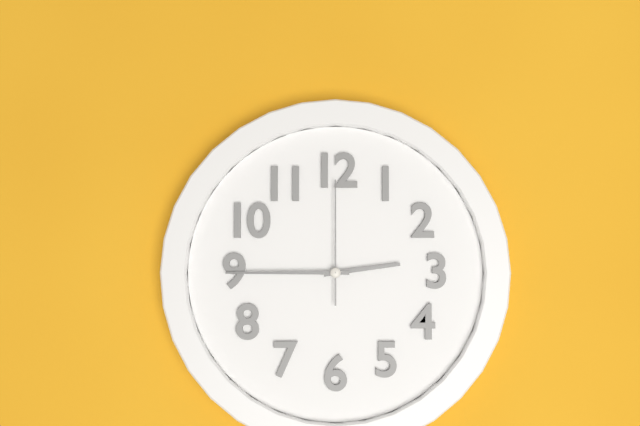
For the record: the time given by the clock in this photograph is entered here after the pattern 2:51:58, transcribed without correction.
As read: 2:45:00
